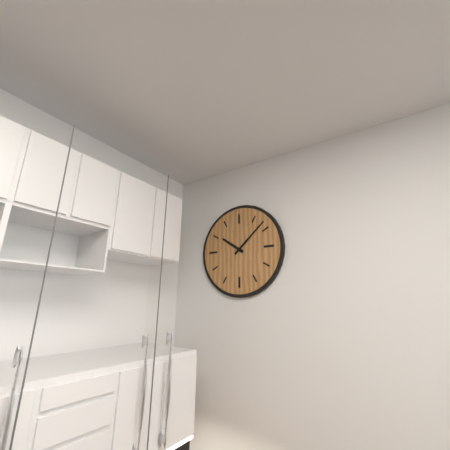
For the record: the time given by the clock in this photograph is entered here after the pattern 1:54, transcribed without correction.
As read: 10:08
